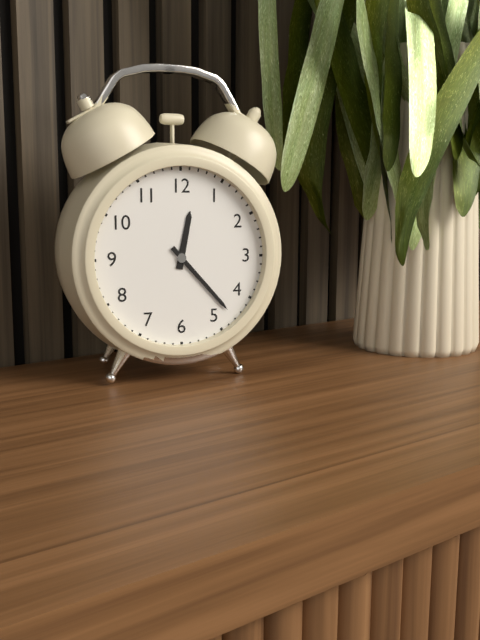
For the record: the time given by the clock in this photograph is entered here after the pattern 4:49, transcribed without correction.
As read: 12:23
